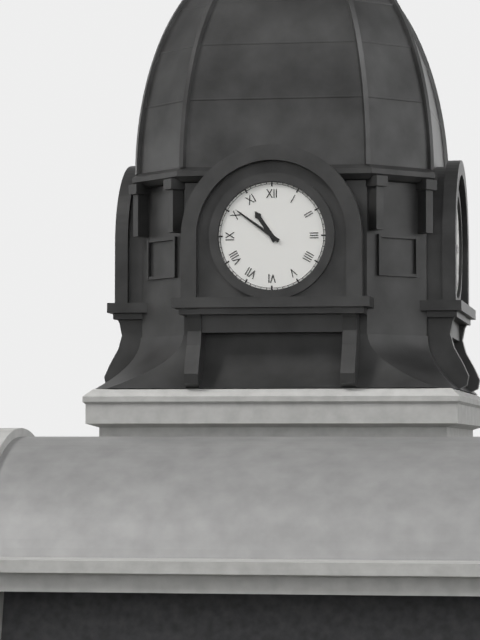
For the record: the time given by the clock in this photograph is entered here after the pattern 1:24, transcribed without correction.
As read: 10:51
